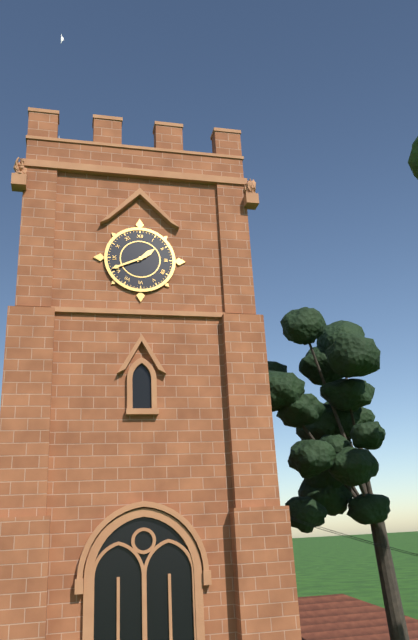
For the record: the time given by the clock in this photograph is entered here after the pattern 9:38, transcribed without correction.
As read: 1:41
